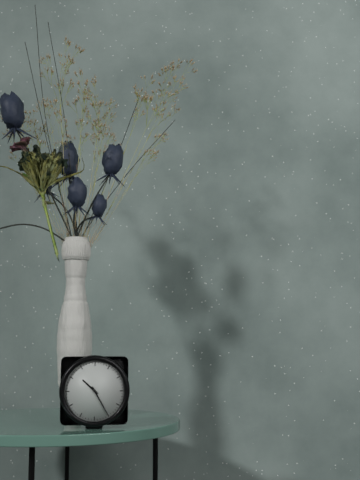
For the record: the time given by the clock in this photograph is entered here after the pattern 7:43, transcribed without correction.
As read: 10:25
